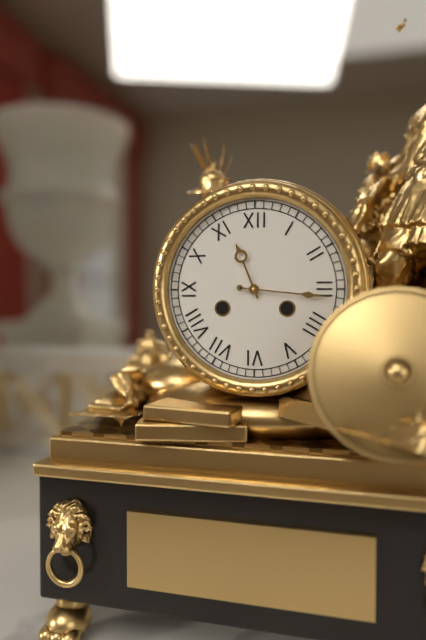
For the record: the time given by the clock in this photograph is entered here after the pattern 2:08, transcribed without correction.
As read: 11:16
